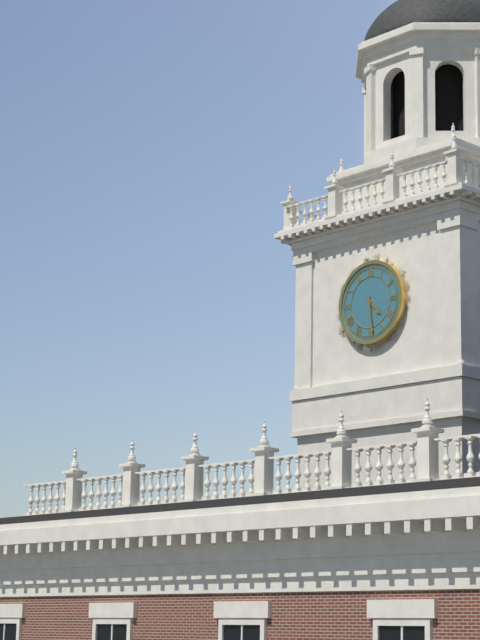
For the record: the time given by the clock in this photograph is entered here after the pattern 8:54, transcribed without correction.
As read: 4:29
